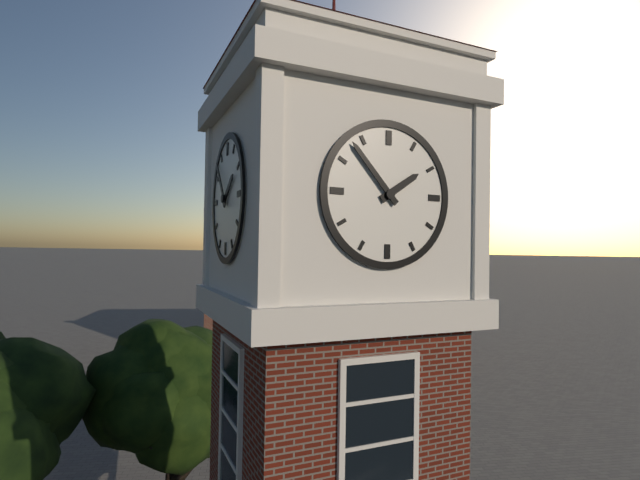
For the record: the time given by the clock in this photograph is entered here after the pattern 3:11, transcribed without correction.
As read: 1:53
